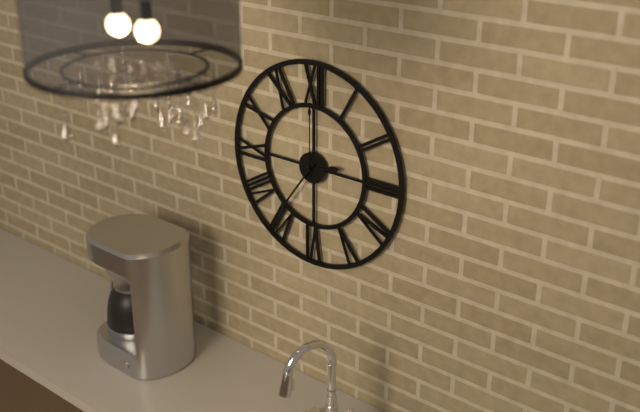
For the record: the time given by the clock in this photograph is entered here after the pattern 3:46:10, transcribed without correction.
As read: 2:36:00
